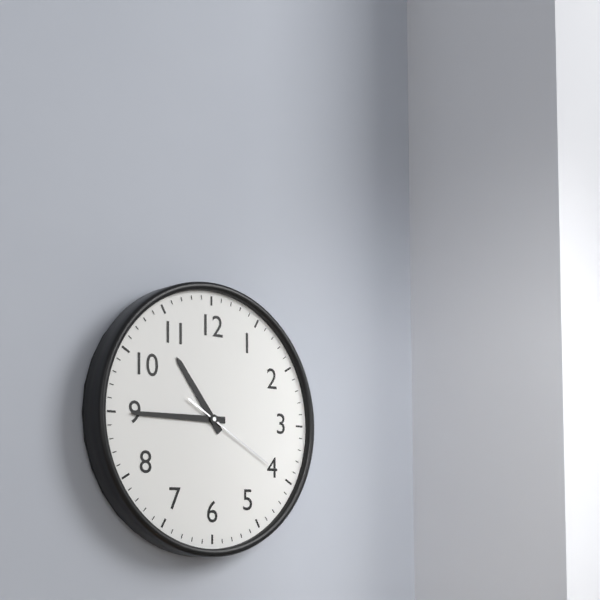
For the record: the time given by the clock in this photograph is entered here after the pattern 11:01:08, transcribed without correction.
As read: 10:45:20
